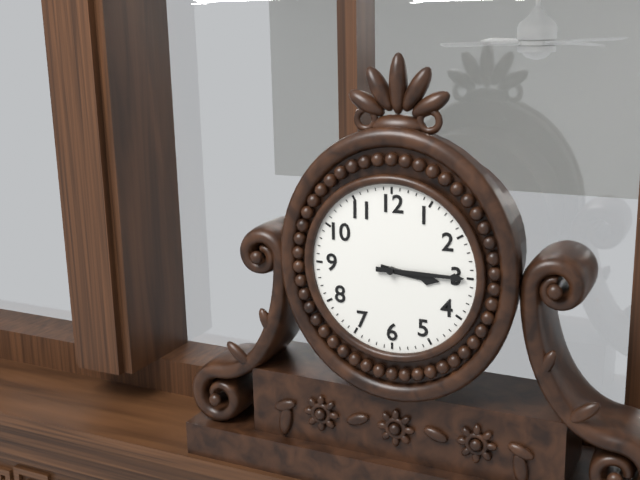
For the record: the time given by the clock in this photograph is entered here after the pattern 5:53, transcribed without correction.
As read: 3:15
